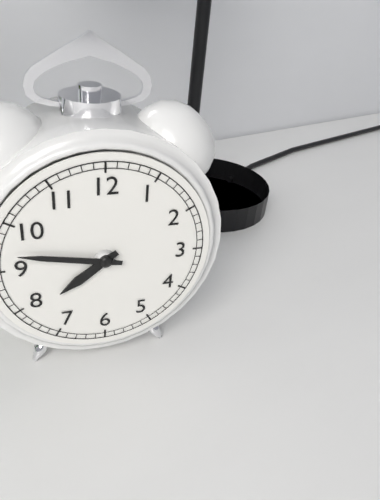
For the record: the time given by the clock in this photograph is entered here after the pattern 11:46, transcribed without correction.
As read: 7:47
